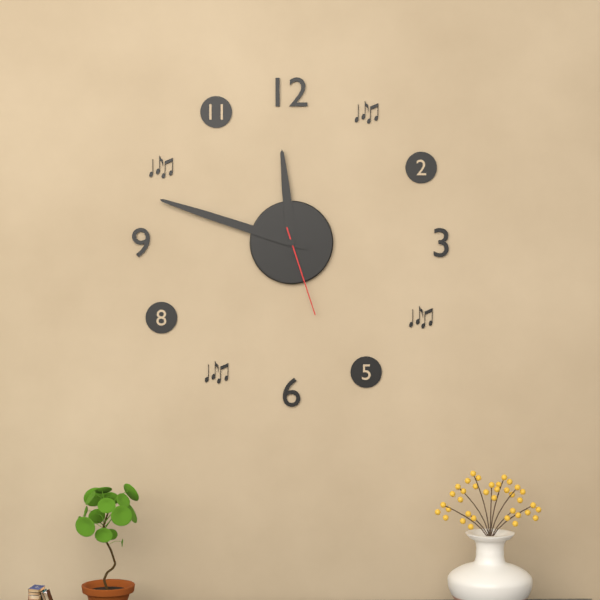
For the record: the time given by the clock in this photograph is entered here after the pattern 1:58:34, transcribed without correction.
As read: 11:48:27
